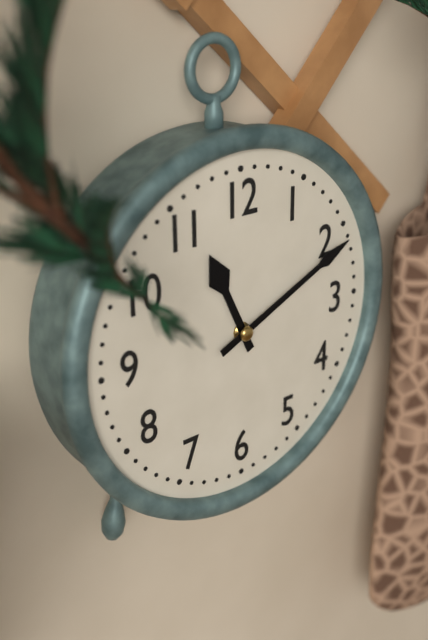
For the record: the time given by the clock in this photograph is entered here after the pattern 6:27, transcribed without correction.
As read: 11:11
